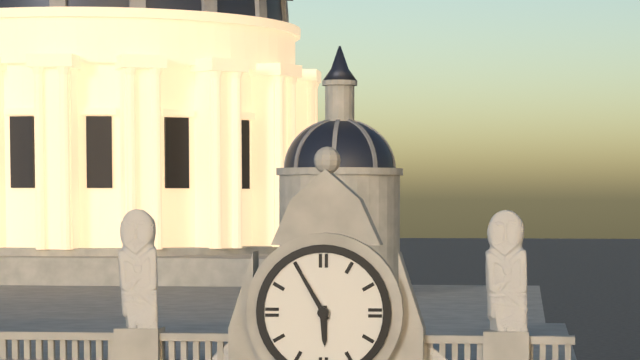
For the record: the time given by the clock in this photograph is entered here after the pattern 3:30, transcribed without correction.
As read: 5:55
